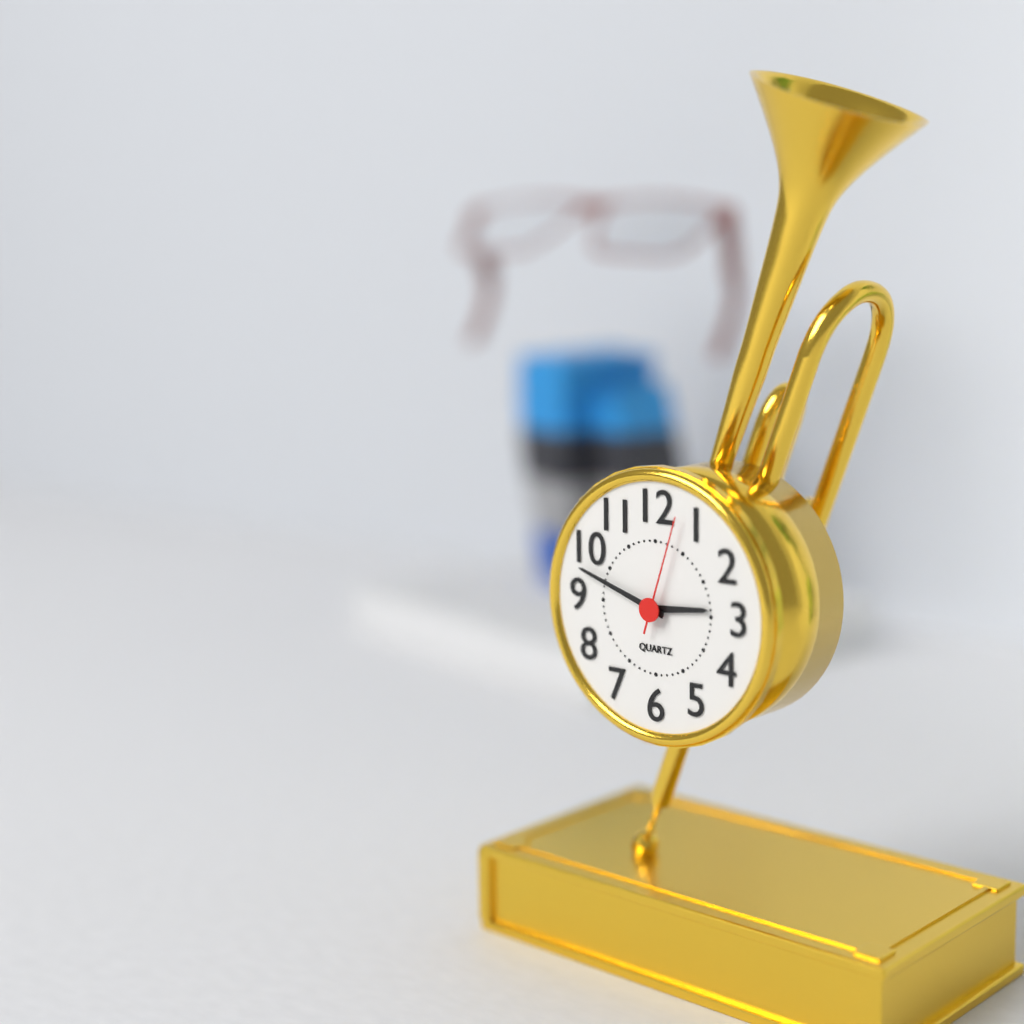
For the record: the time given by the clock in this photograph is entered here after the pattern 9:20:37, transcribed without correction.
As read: 2:48:03
